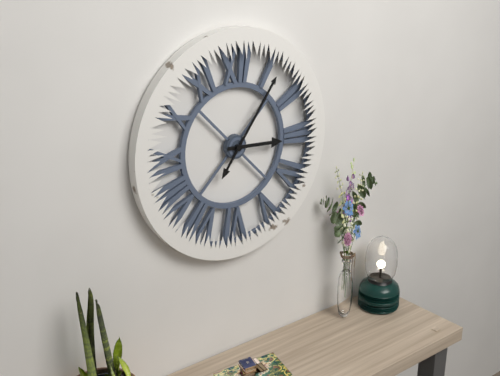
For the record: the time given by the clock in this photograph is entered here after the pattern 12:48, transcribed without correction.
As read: 3:06
